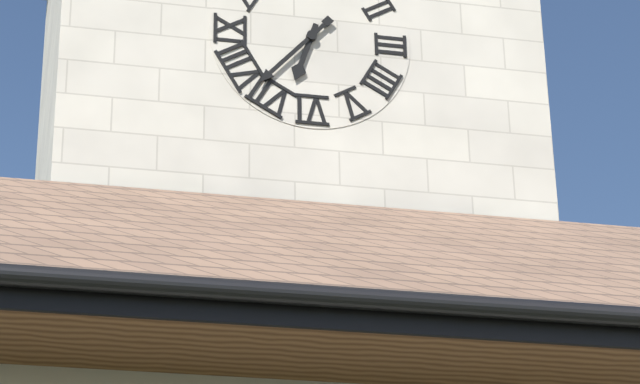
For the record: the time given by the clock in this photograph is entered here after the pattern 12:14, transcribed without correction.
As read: 6:37
